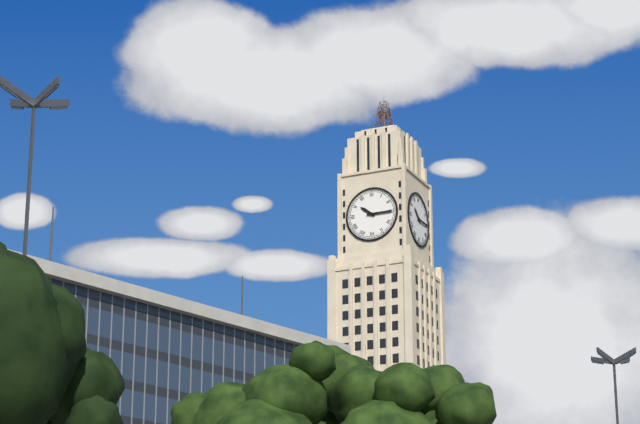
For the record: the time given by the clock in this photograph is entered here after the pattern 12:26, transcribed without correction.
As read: 10:15
